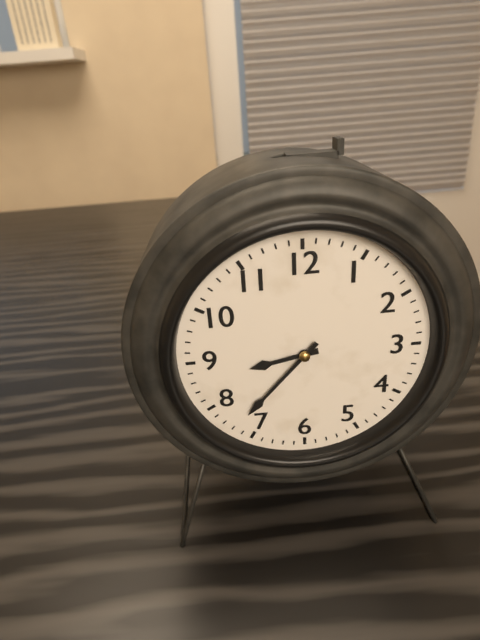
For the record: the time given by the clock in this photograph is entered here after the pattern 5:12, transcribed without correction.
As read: 8:37
